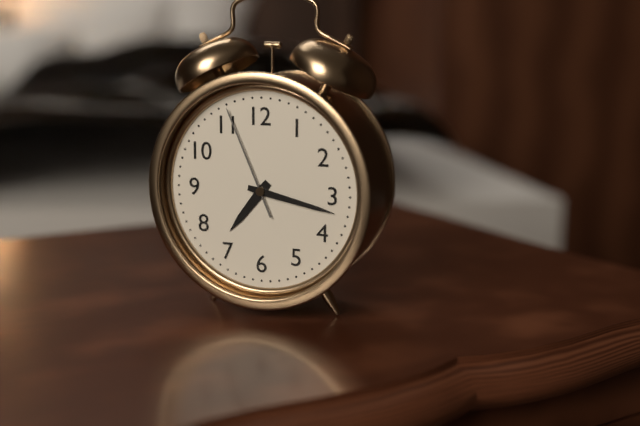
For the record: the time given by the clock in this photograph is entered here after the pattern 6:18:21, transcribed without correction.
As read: 7:17:56
